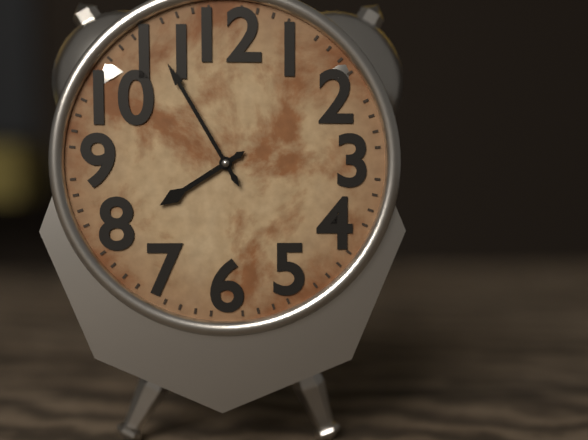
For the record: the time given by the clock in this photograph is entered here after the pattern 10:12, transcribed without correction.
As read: 7:55
